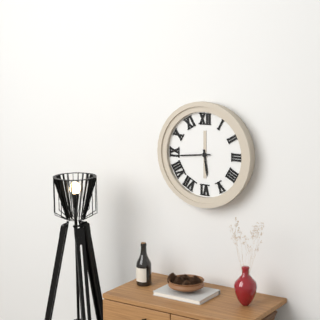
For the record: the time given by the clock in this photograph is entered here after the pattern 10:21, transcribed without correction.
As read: 5:44
